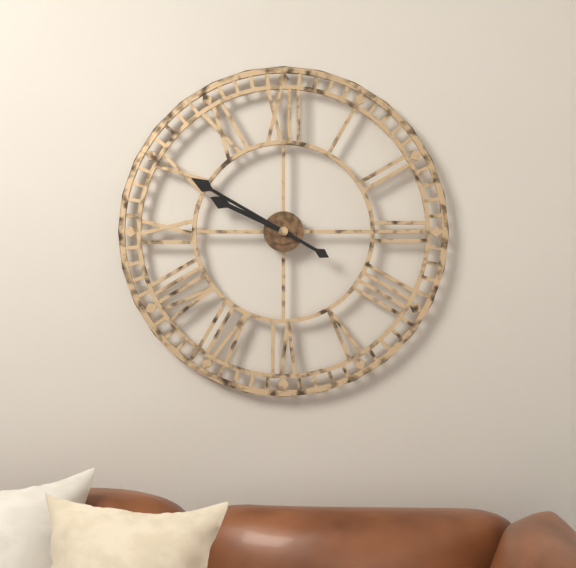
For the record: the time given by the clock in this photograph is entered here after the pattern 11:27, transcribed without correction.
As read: 9:50
